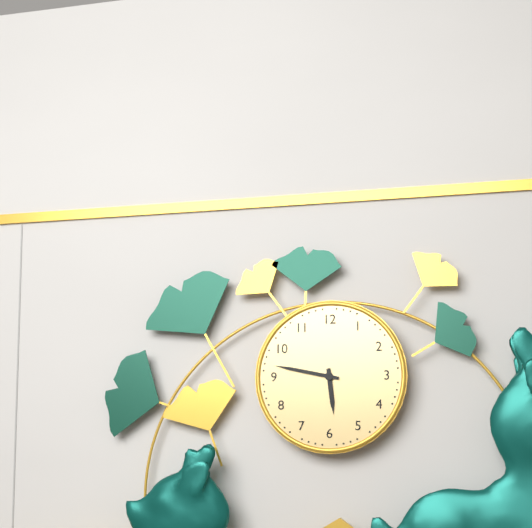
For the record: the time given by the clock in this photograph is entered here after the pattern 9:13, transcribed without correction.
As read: 5:47
